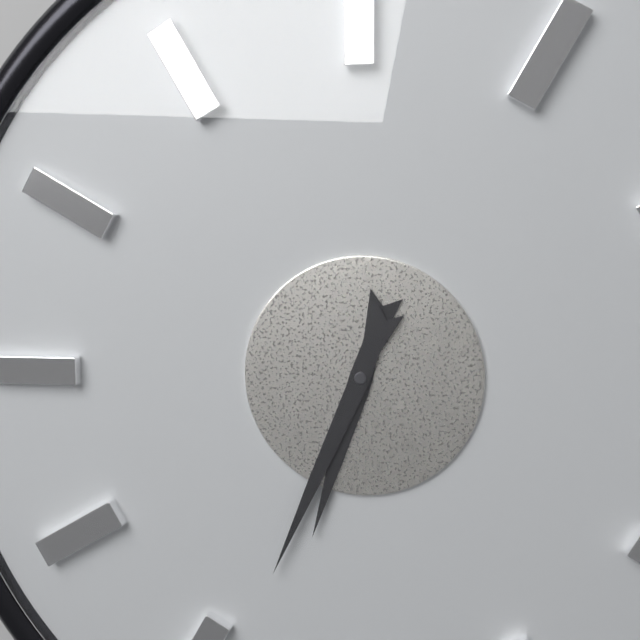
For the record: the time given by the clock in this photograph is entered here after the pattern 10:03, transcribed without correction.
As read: 6:34
